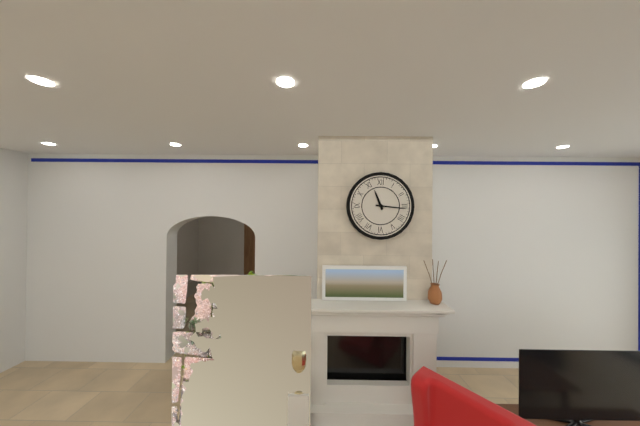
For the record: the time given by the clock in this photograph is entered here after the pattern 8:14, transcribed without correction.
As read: 11:16
